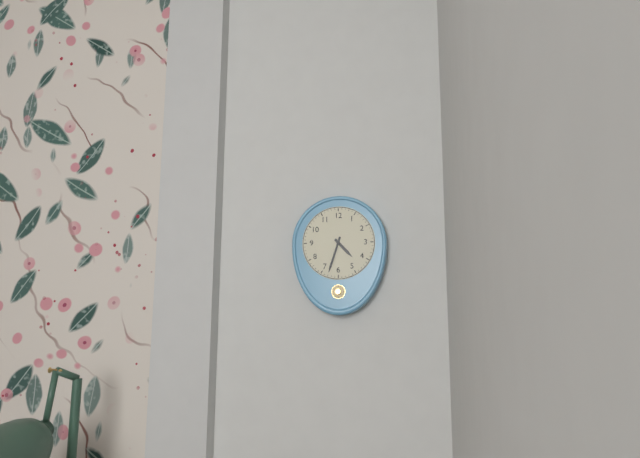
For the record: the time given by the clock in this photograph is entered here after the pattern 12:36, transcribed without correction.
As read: 4:33
